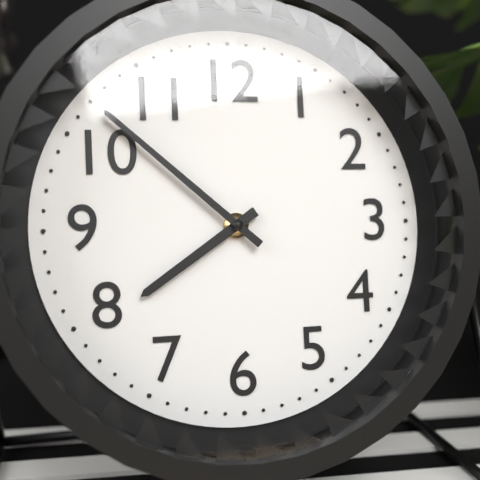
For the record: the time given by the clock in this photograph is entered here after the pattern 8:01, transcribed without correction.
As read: 7:52
